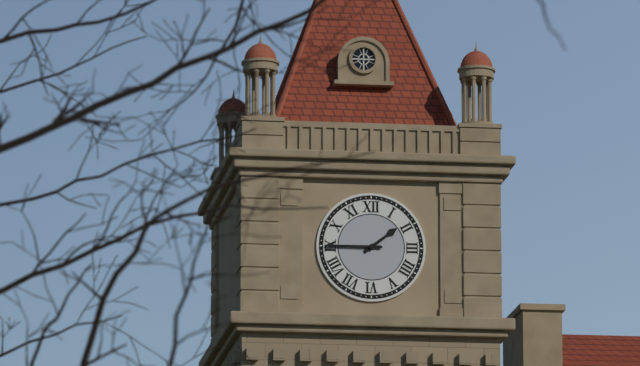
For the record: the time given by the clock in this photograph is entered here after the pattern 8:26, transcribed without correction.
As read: 1:45
